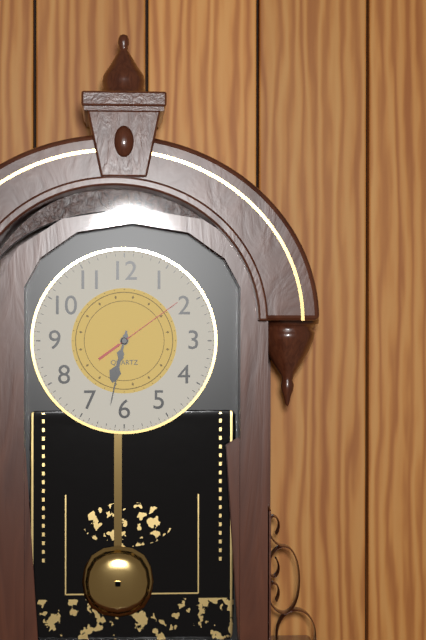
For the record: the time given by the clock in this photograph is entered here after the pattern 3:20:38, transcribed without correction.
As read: 6:32:09
